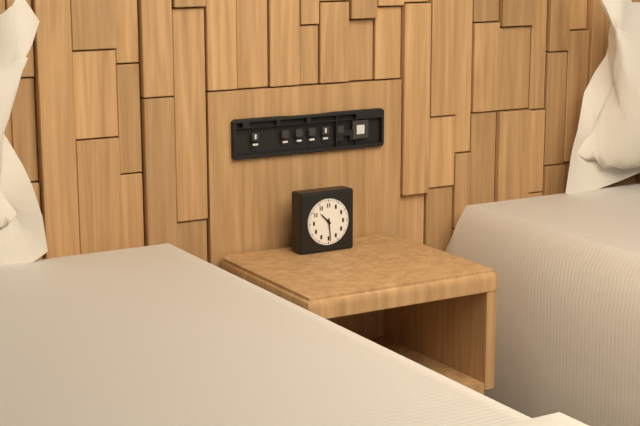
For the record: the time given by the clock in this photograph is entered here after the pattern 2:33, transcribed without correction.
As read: 10:29
